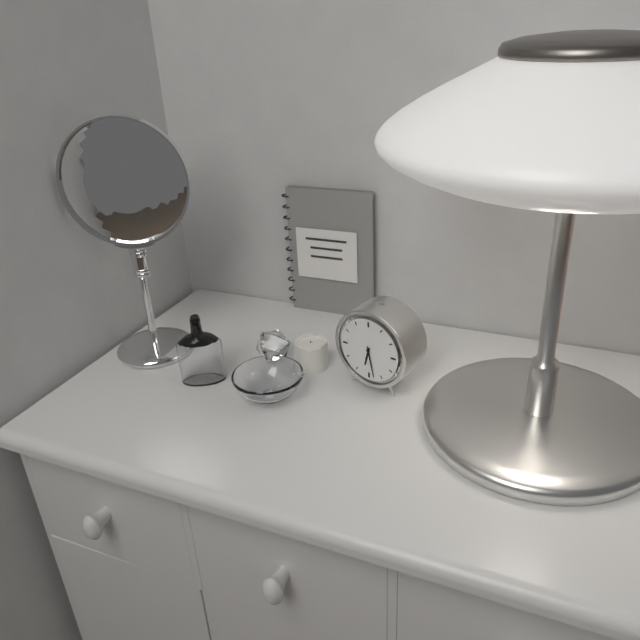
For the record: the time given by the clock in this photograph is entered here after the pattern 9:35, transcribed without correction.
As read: 6:28
